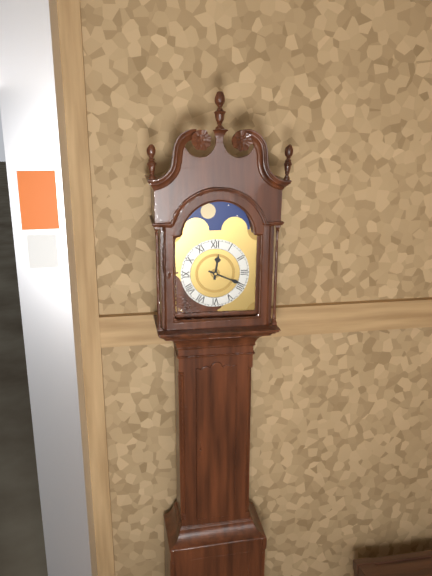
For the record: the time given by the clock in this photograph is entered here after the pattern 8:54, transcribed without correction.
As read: 12:19
